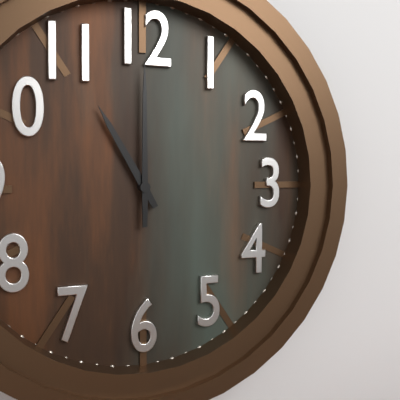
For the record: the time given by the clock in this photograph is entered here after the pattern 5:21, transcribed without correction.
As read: 11:00
